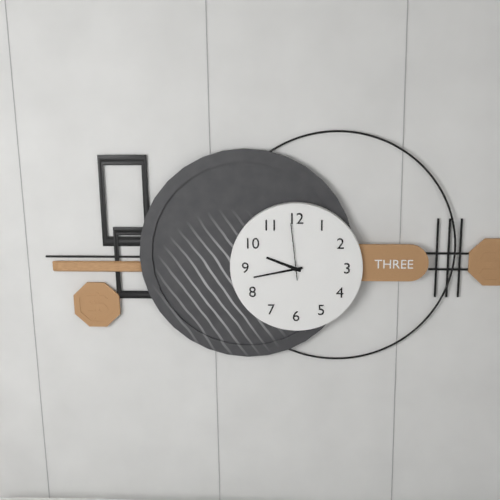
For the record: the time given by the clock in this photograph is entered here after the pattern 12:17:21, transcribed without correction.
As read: 9:43:59
